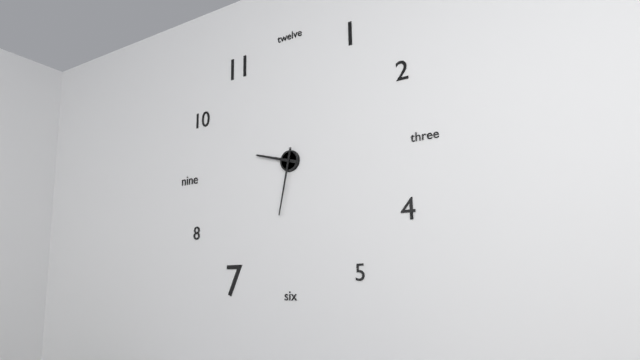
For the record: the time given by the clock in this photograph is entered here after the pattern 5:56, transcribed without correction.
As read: 9:32
